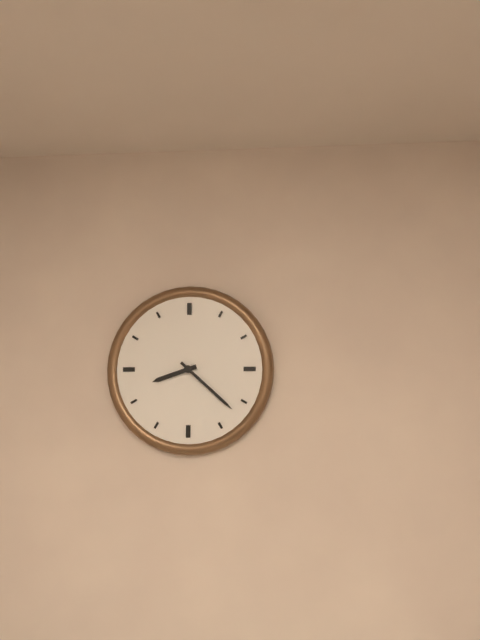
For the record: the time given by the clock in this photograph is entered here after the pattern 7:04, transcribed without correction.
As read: 8:22
